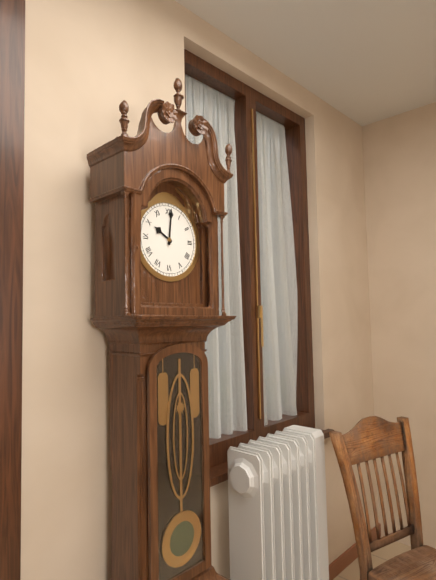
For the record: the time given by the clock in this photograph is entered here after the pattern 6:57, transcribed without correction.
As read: 10:01
